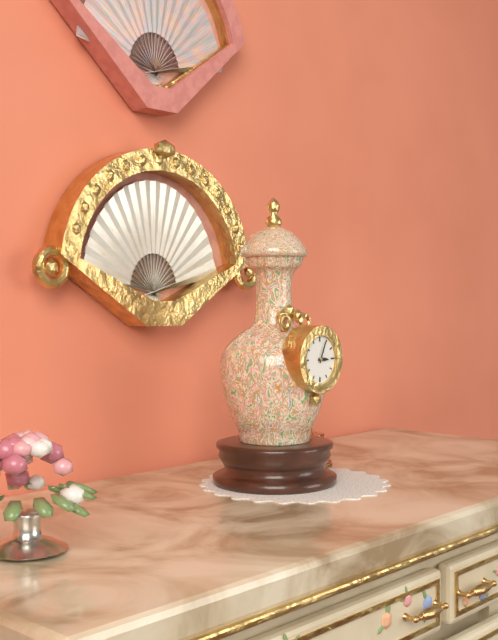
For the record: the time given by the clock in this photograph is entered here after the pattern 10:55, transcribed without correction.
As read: 3:04
